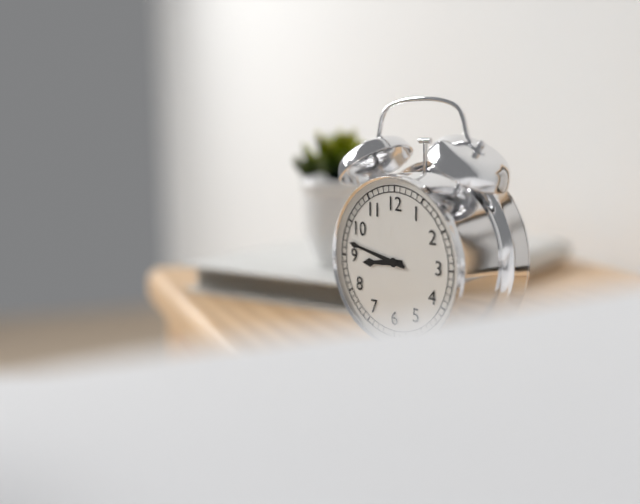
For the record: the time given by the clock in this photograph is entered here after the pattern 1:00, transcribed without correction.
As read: 8:47
